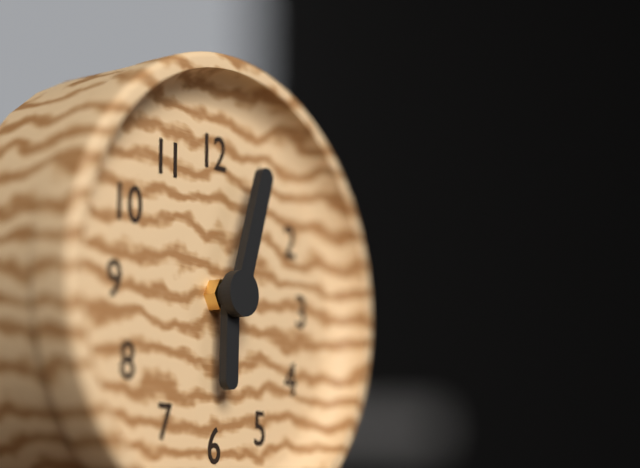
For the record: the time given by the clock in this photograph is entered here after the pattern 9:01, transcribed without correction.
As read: 6:03
